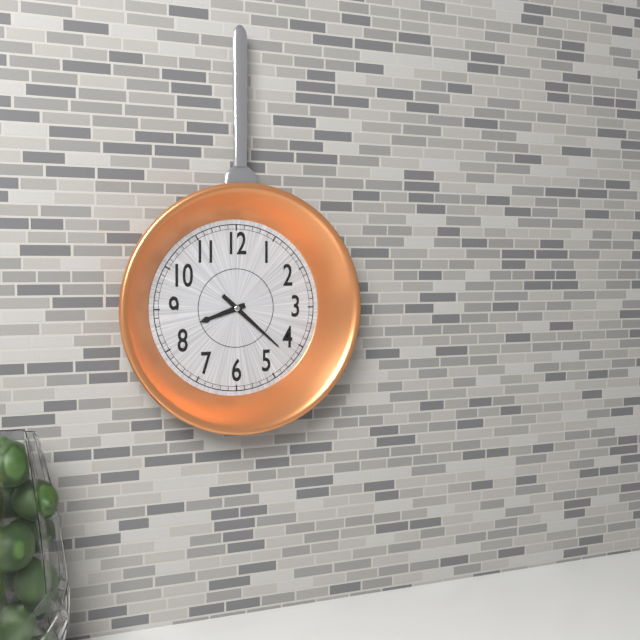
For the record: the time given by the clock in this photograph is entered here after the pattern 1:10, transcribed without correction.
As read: 8:22
